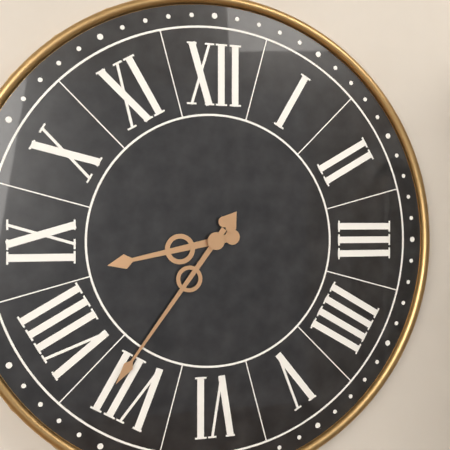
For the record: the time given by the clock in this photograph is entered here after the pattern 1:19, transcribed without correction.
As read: 8:36
